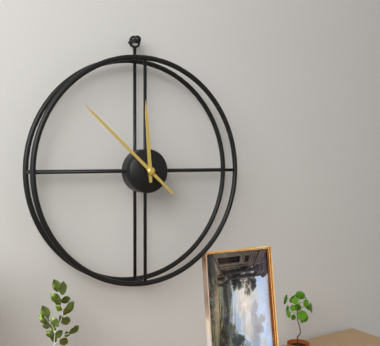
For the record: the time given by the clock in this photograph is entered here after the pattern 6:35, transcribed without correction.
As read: 11:52
